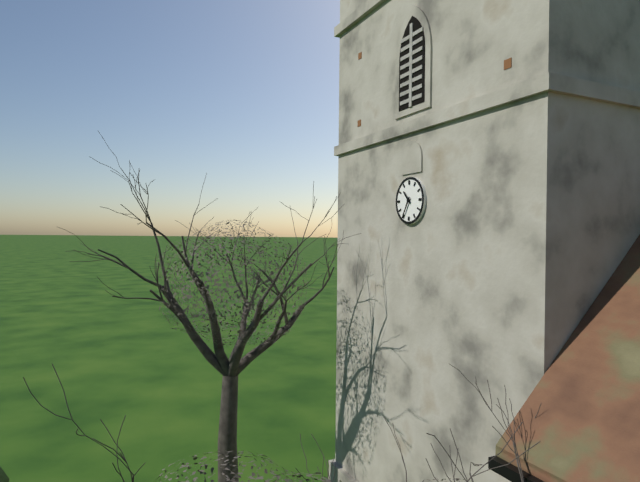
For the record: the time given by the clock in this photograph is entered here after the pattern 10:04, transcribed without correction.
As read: 10:35
